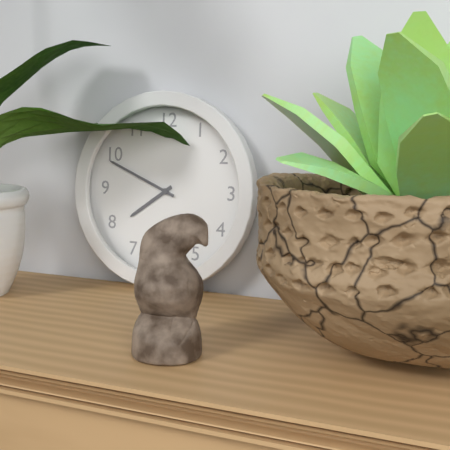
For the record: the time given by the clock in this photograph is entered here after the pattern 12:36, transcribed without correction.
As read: 7:49
